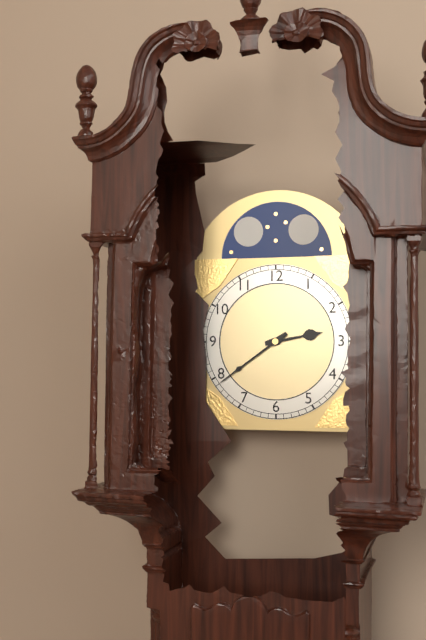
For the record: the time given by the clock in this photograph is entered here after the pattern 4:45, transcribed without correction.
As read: 2:39
